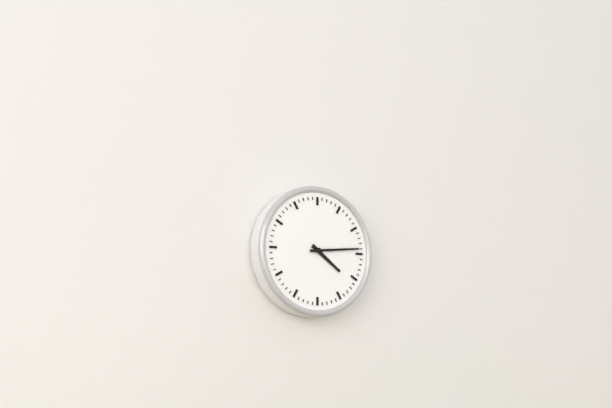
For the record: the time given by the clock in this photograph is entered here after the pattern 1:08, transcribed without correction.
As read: 4:14
